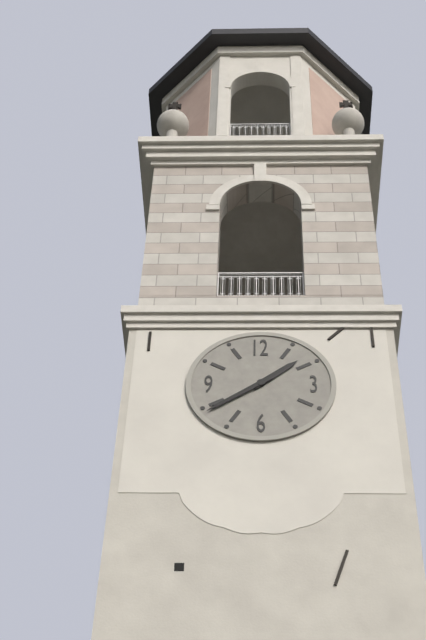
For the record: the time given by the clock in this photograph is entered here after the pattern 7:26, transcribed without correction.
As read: 1:39
